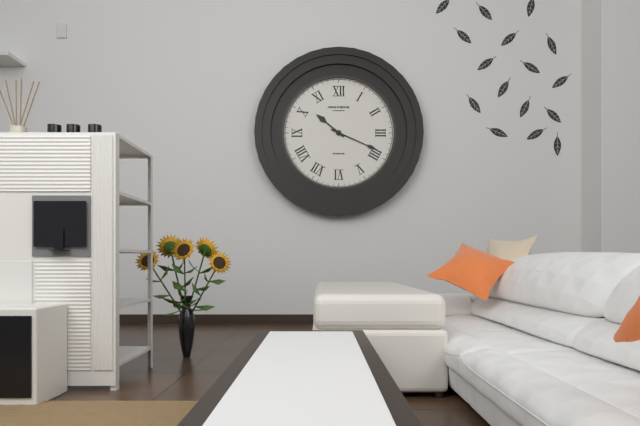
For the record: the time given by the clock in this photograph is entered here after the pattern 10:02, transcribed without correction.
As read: 10:19
